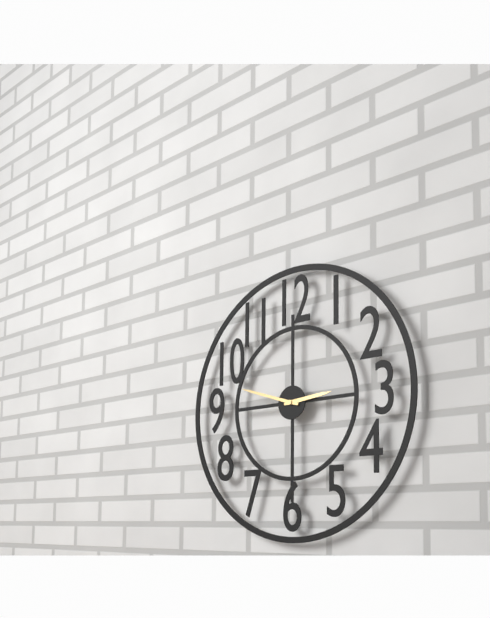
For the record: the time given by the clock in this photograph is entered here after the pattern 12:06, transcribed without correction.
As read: 2:48
